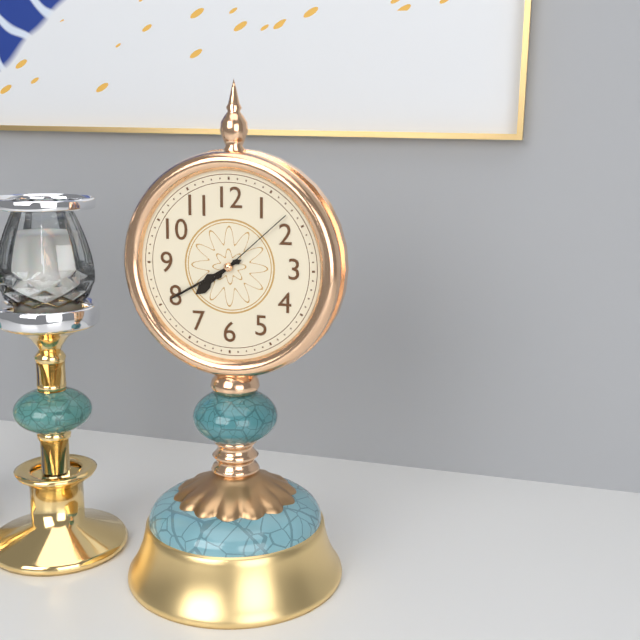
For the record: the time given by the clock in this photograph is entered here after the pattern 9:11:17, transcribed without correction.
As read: 7:40:08
